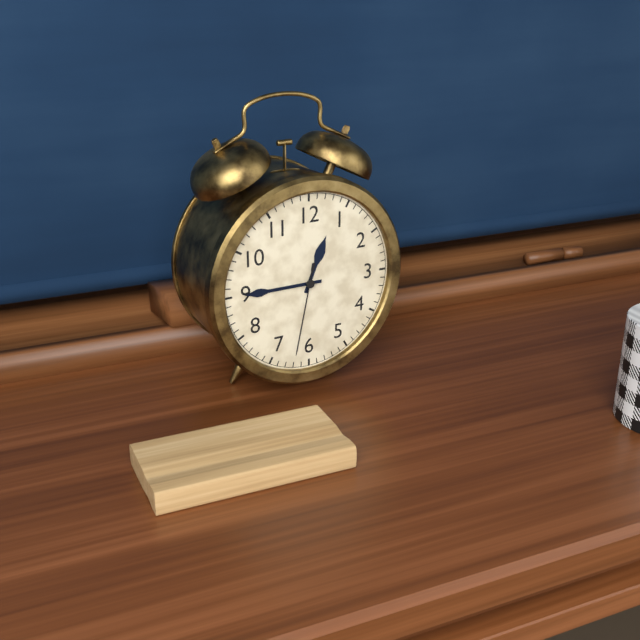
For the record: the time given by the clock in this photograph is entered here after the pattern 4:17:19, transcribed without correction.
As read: 12:45:32
